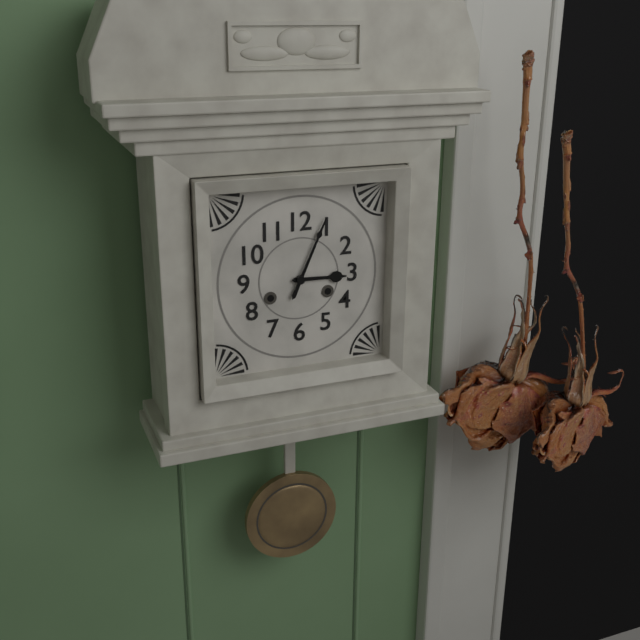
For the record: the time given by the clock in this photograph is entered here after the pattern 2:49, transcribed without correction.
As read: 3:04
